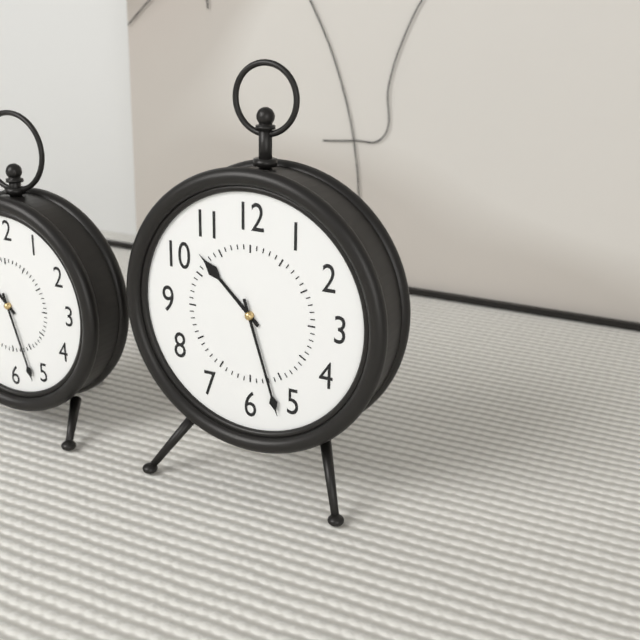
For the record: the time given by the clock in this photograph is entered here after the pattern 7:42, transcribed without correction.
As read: 10:27
